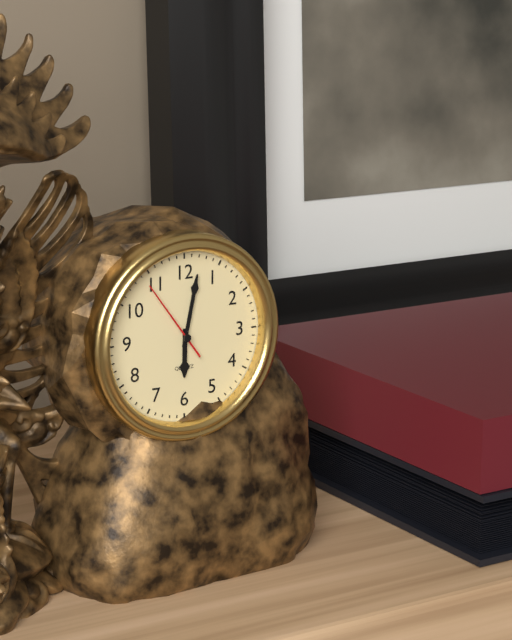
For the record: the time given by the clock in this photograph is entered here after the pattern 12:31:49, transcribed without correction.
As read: 6:02:54
